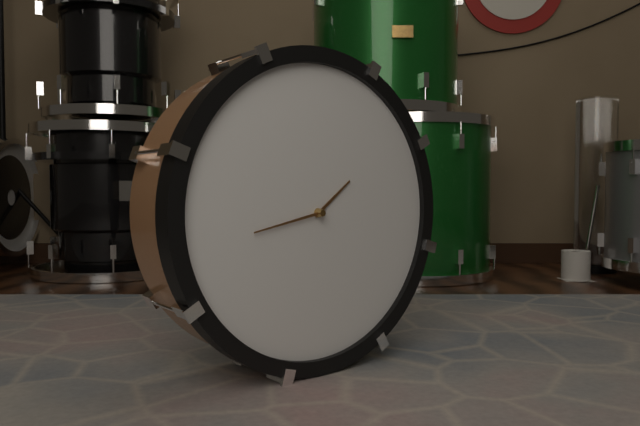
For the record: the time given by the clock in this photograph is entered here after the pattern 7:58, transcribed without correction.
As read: 1:43
